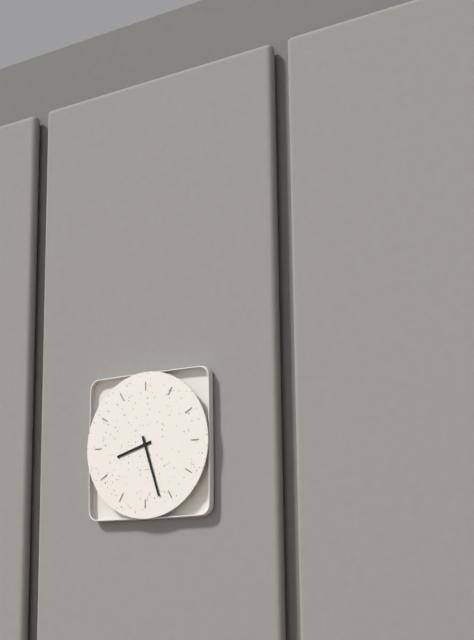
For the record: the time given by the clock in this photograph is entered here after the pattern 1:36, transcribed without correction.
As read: 8:27
